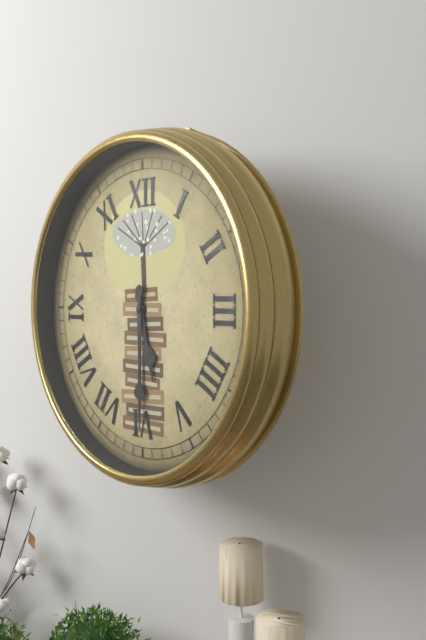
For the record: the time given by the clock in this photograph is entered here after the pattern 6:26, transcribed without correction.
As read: 5:30
